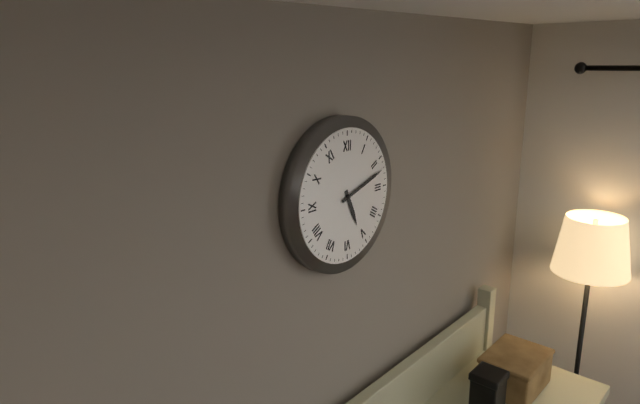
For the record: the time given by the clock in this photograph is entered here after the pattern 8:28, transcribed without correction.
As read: 5:12
